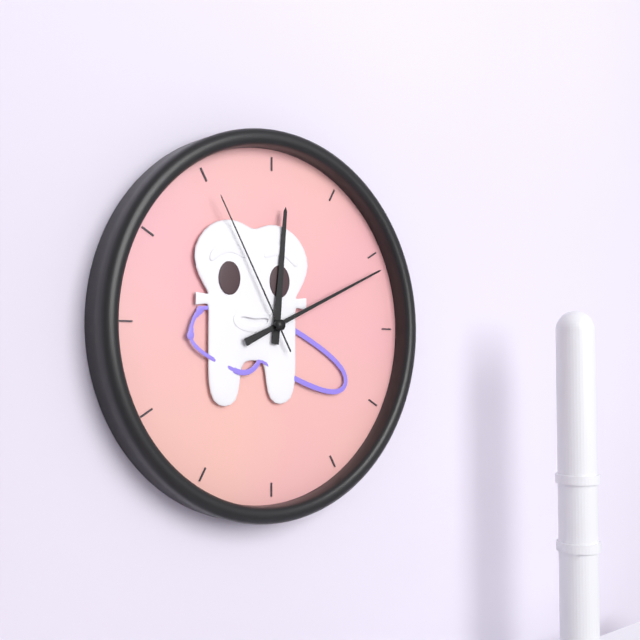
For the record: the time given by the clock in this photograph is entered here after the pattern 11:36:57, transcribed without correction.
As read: 12:11:55
